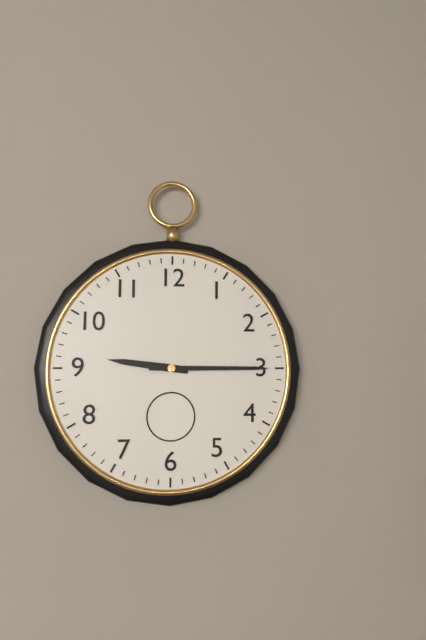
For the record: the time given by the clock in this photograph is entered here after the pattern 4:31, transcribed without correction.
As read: 9:15
